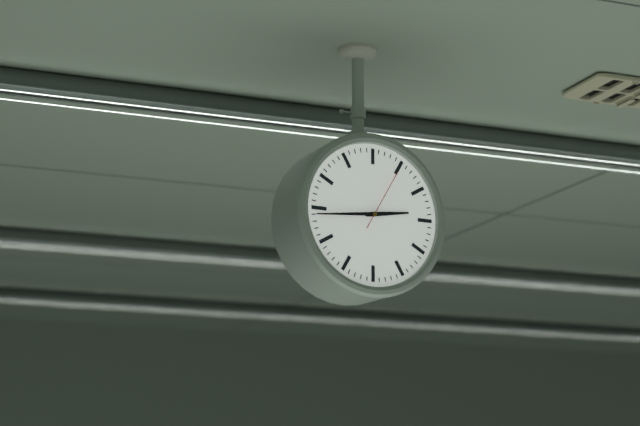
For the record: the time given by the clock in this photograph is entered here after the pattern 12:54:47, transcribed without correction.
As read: 2:44:05
